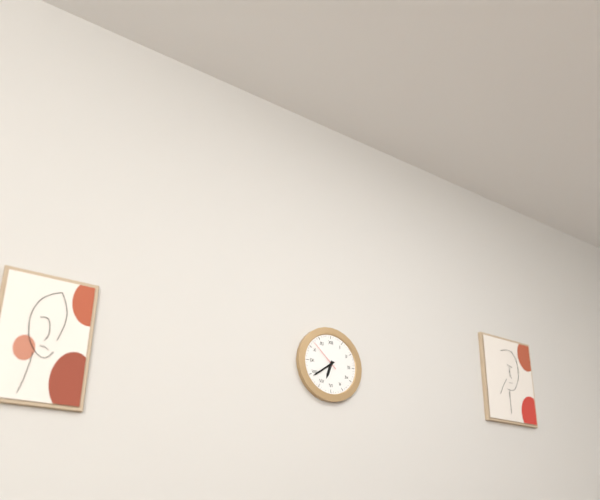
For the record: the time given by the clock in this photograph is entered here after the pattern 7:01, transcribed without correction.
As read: 6:39
